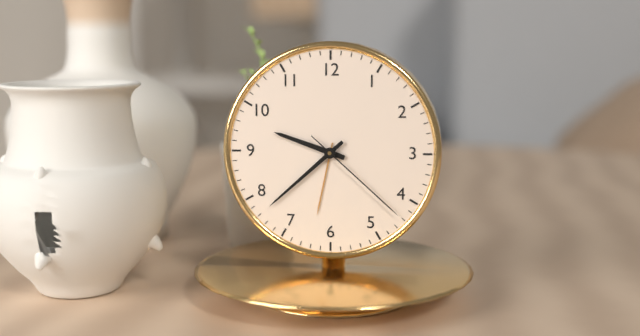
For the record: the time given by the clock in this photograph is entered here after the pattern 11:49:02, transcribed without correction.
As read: 9:38:22
